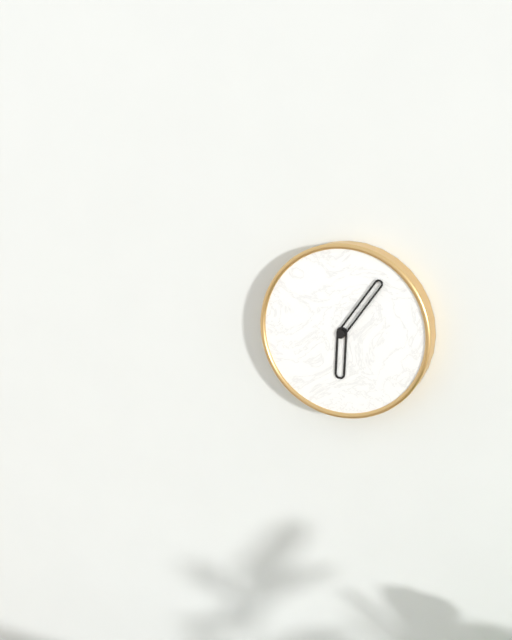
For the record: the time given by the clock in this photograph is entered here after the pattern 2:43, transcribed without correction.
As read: 6:06
